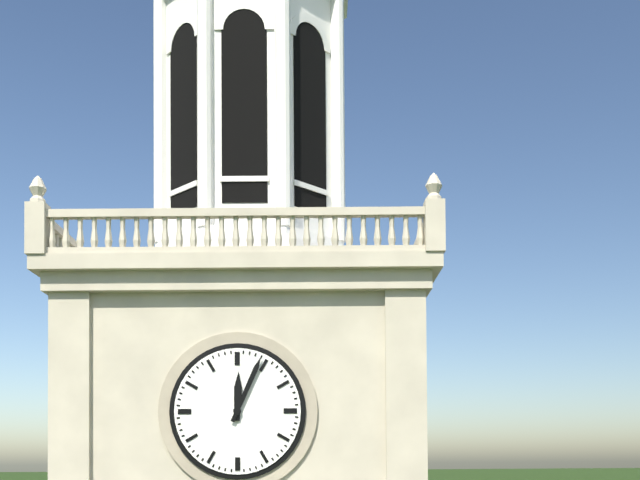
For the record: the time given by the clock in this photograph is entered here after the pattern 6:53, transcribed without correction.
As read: 12:04
